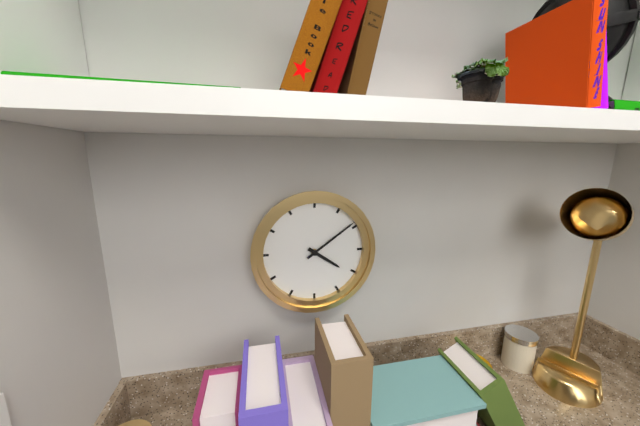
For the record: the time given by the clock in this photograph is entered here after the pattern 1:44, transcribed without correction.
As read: 4:09
